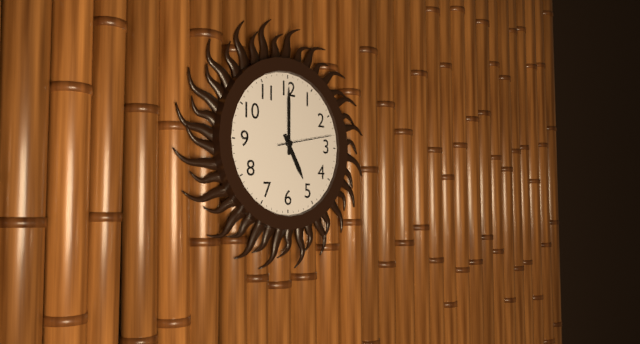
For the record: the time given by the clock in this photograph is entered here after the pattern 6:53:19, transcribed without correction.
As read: 5:00:13
